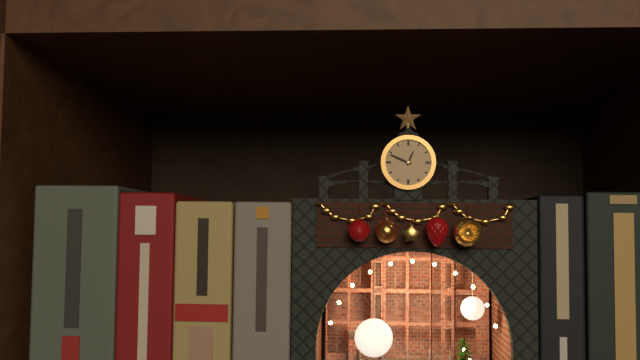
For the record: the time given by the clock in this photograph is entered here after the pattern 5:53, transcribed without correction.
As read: 12:49
